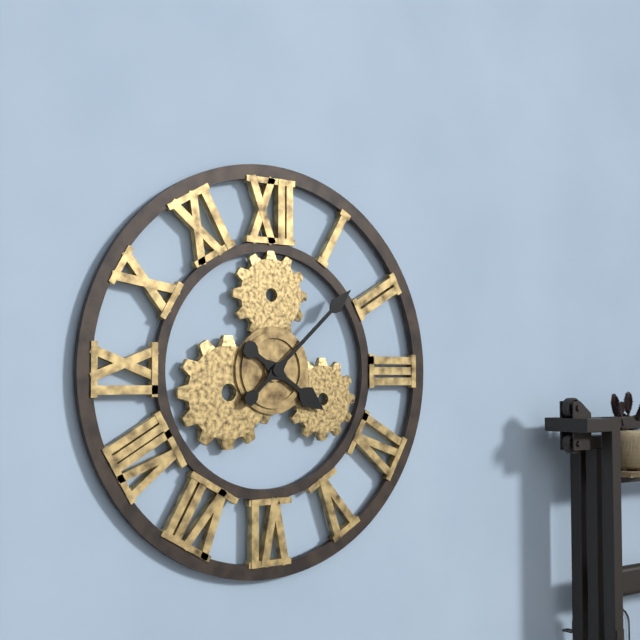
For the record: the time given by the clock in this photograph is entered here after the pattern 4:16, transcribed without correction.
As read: 4:08
